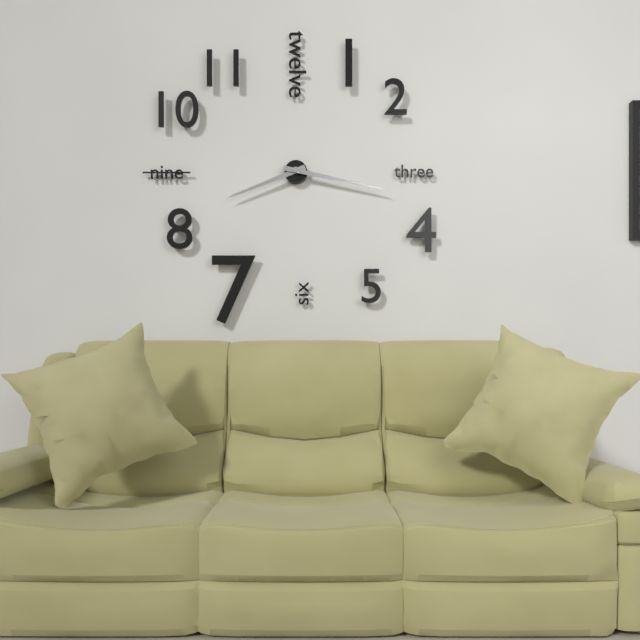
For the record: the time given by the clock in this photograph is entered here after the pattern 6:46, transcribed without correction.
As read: 8:17
